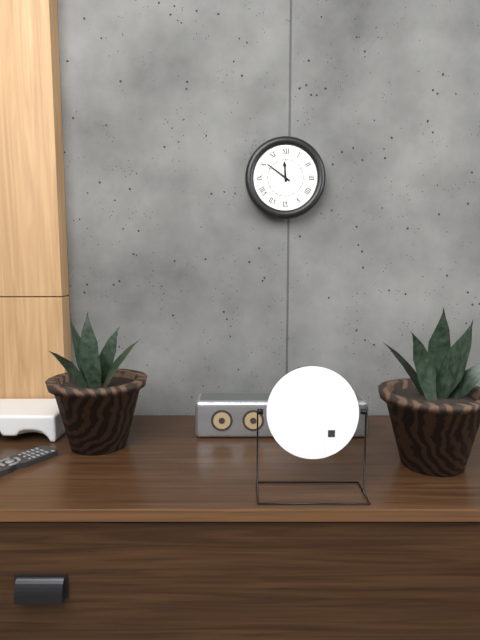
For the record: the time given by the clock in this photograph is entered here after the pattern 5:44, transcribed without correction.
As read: 11:51
